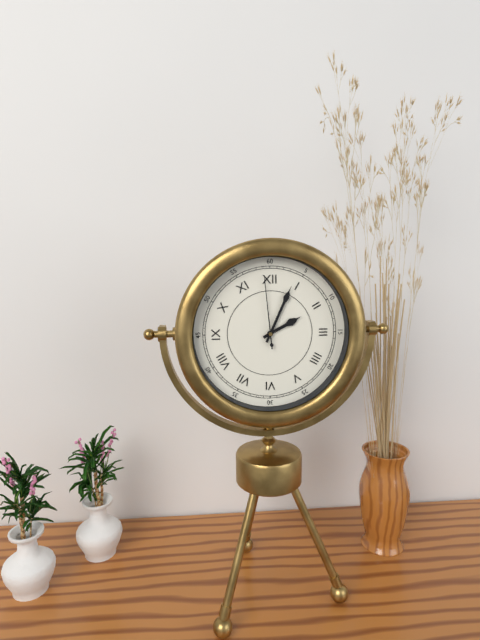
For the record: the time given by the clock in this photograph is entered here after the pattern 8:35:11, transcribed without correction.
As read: 2:04:59
